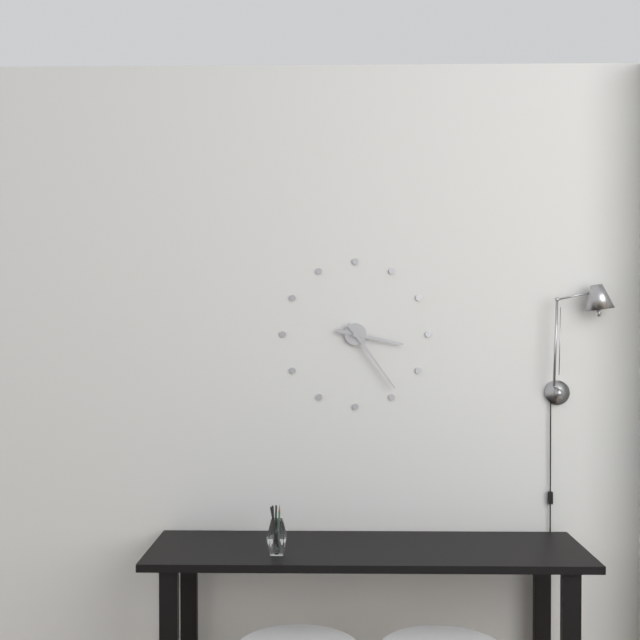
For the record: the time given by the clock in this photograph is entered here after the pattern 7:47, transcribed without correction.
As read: 3:24
